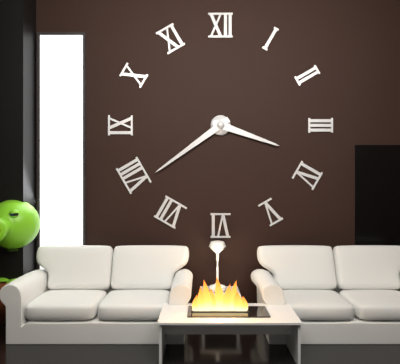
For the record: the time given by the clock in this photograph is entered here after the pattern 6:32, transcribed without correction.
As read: 3:39
